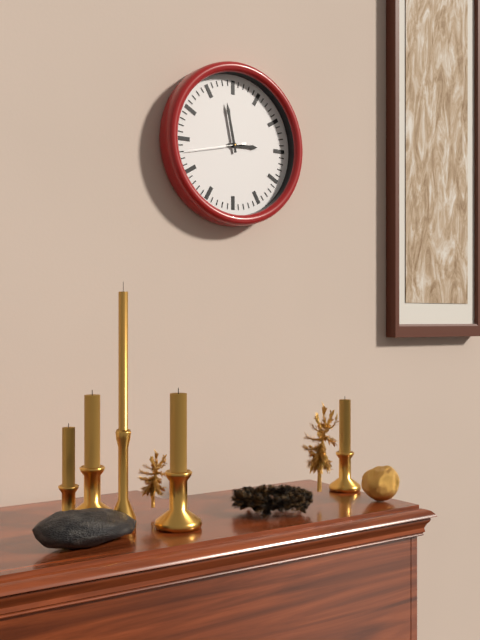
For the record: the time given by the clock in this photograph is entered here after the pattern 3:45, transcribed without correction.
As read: 2:58
